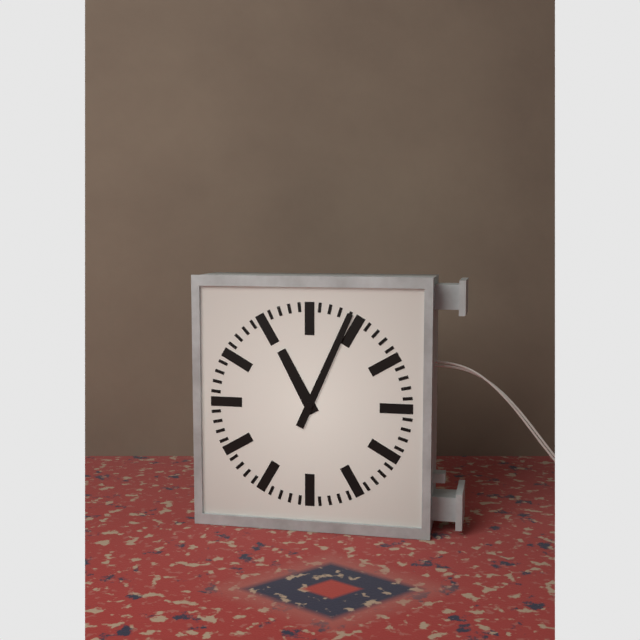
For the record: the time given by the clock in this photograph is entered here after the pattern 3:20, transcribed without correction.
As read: 11:04
